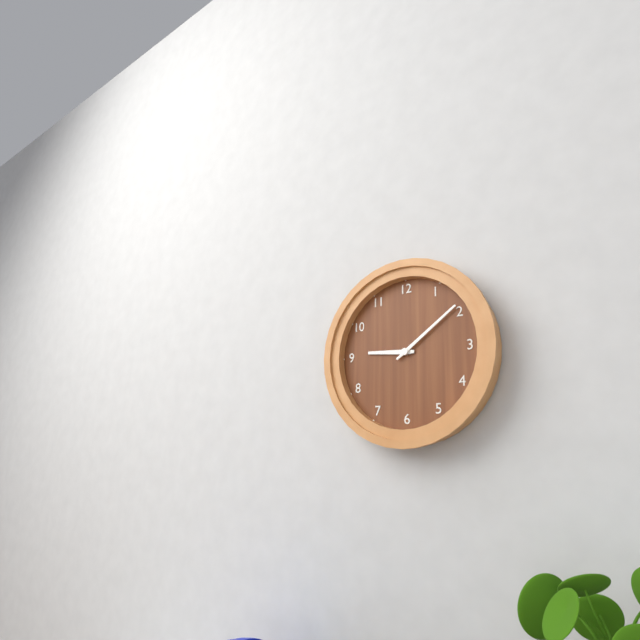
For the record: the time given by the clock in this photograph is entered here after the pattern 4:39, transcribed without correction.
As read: 9:09
